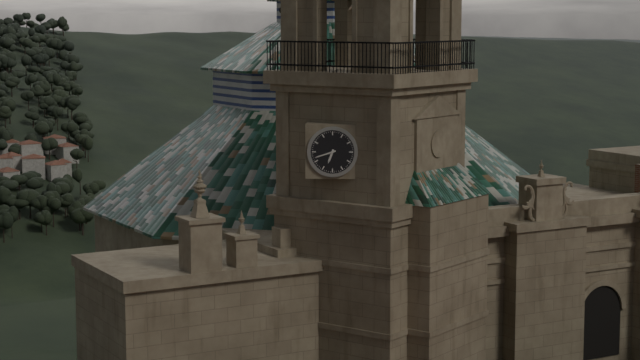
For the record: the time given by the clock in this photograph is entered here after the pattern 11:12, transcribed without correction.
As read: 6:42
